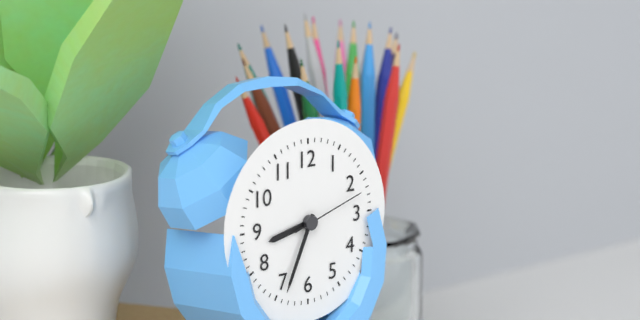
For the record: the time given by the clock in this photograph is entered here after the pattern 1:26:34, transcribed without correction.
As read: 8:34:12
